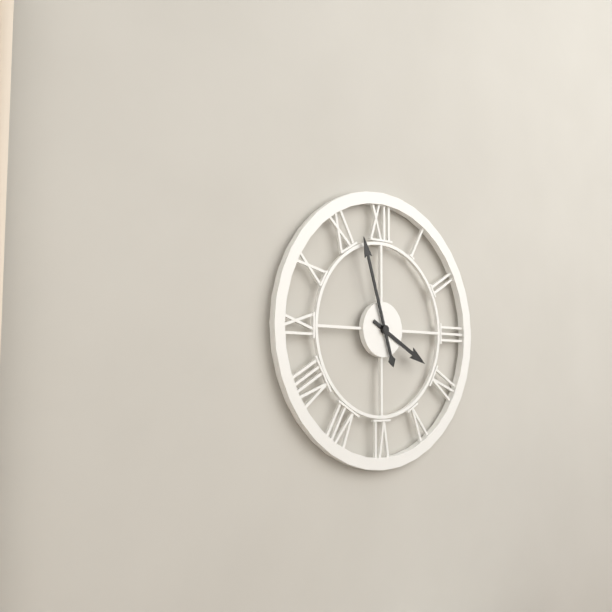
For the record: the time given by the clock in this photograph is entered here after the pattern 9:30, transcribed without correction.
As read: 3:57
